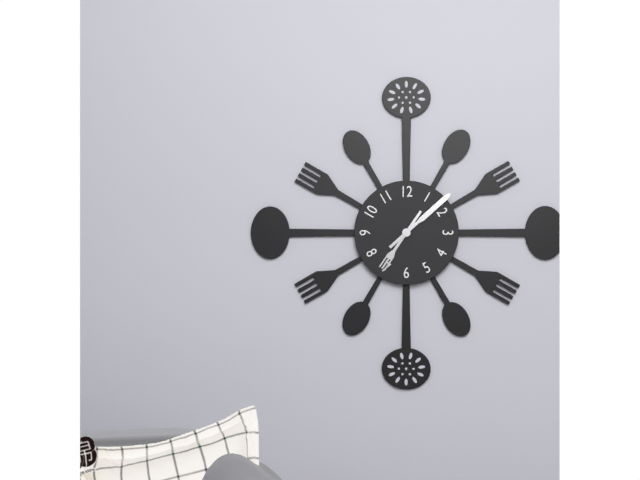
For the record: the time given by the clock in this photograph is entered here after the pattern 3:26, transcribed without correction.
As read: 7:08
